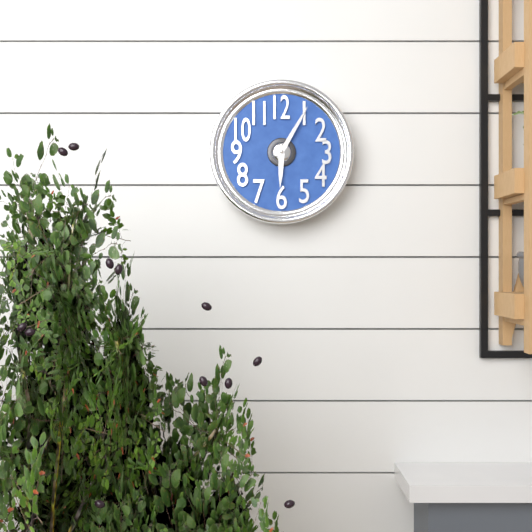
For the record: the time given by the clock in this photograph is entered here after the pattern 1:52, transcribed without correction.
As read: 6:05
